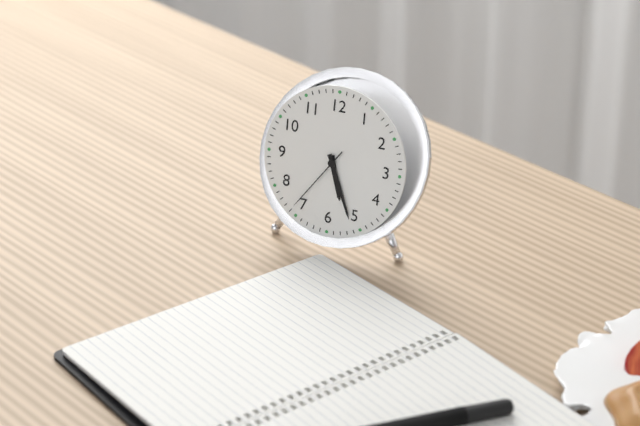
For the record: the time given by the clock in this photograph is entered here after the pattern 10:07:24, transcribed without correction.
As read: 5:26:36
